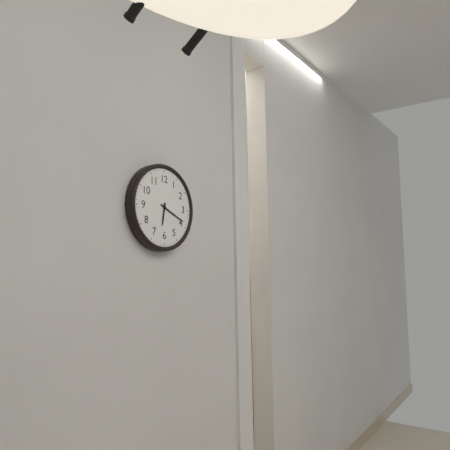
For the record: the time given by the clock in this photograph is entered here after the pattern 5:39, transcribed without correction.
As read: 6:19
